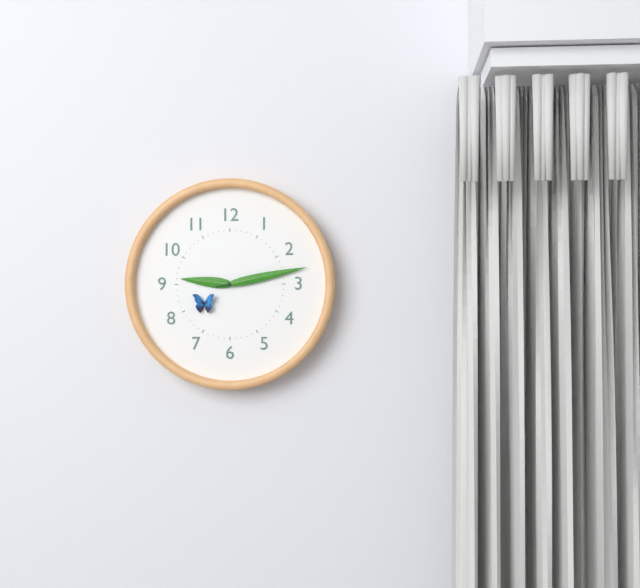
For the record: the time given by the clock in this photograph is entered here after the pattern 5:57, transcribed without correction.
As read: 9:13
